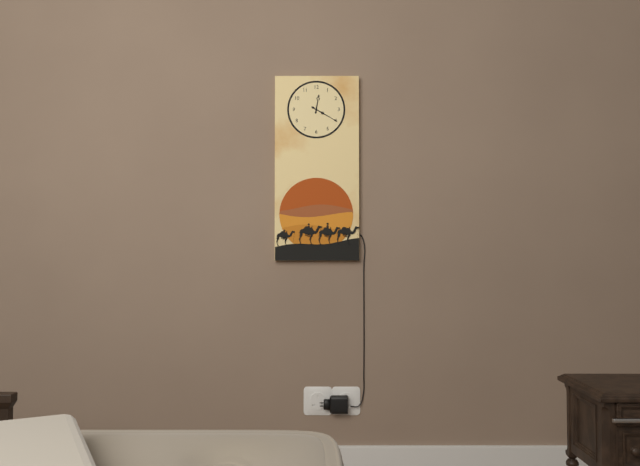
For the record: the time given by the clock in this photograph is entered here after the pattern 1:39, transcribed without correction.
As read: 12:20
